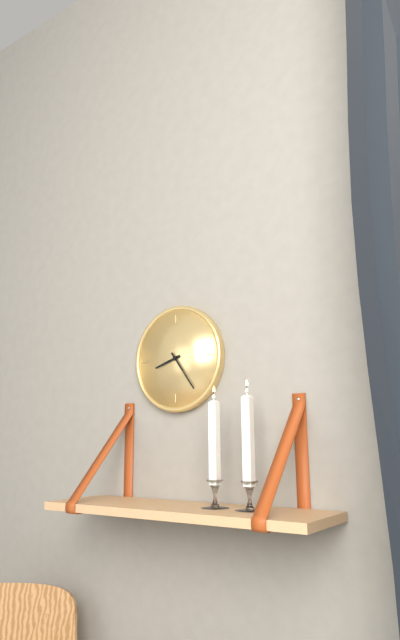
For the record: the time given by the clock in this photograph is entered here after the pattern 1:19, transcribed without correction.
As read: 8:24
